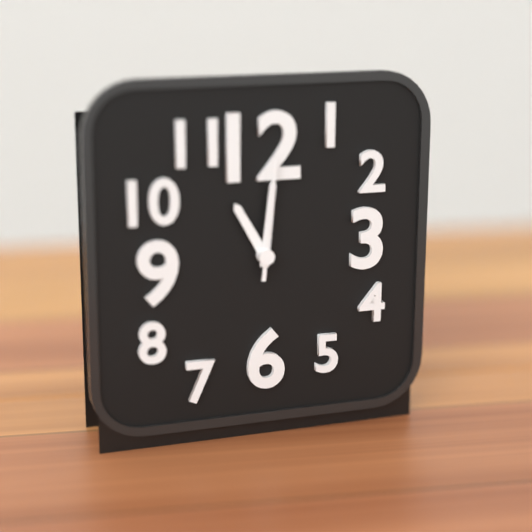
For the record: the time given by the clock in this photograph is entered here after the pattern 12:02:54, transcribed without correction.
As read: 11:01:01
